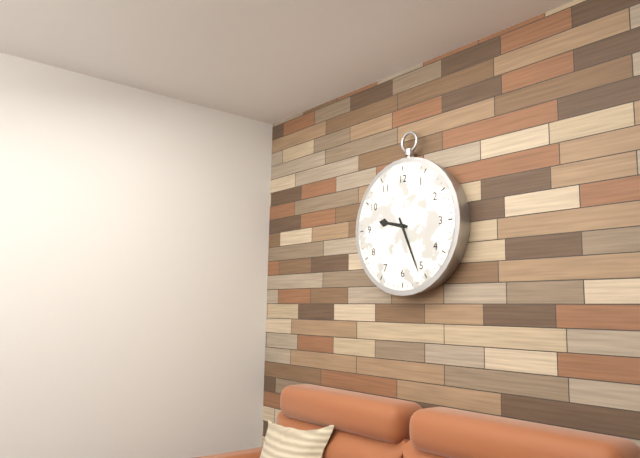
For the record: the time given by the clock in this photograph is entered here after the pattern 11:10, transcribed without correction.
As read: 9:26
